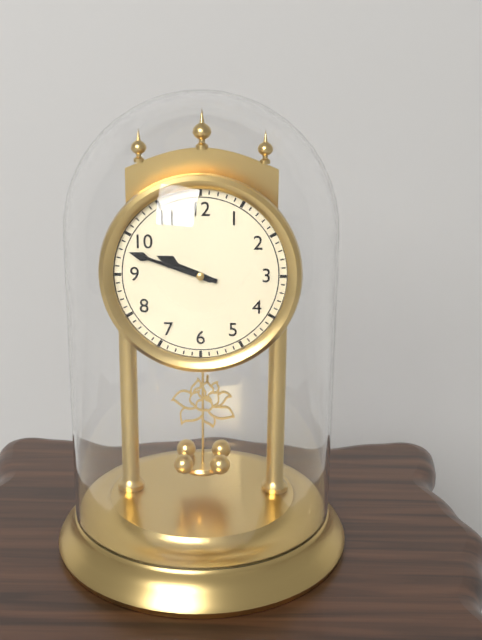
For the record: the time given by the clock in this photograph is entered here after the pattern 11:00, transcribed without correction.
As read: 9:48
